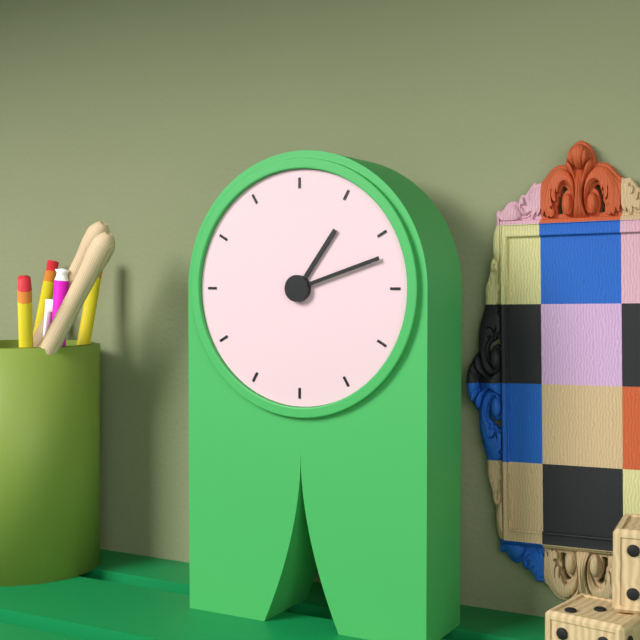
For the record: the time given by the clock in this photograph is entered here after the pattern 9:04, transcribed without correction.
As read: 1:12
